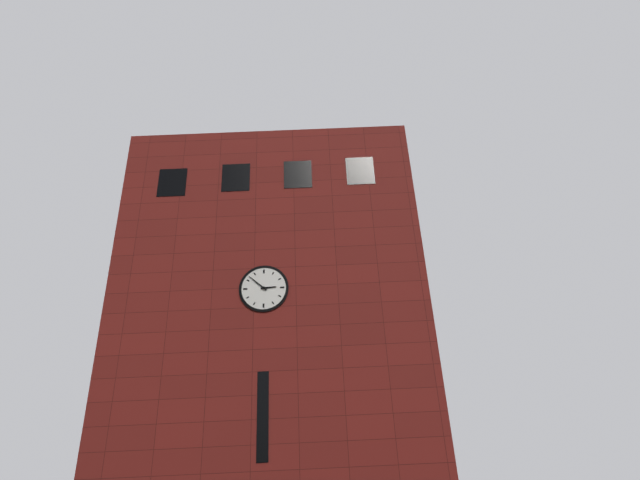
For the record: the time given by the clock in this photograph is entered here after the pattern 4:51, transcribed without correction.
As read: 2:52
